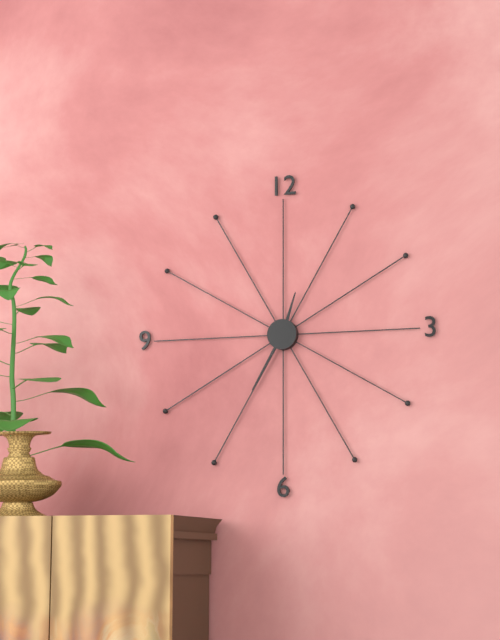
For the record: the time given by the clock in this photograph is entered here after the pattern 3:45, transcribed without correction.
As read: 12:35
